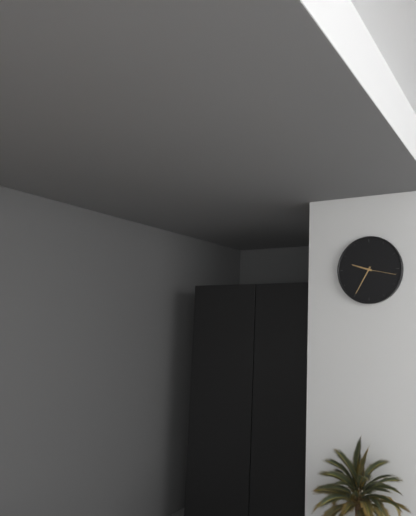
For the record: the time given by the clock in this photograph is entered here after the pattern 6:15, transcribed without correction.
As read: 9:35
